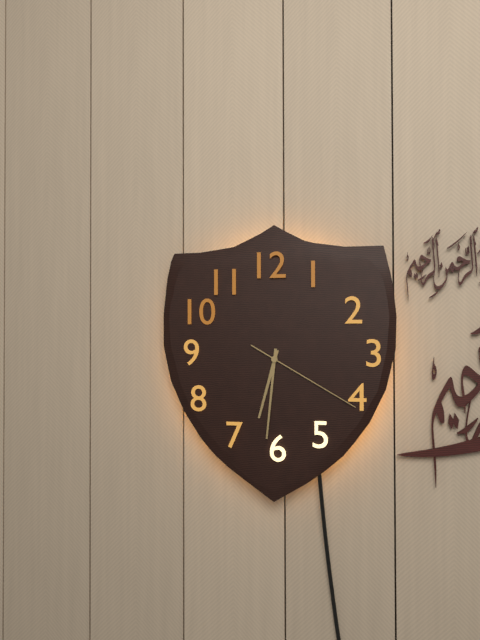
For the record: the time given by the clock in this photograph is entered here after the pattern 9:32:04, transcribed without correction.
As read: 6:31:20
